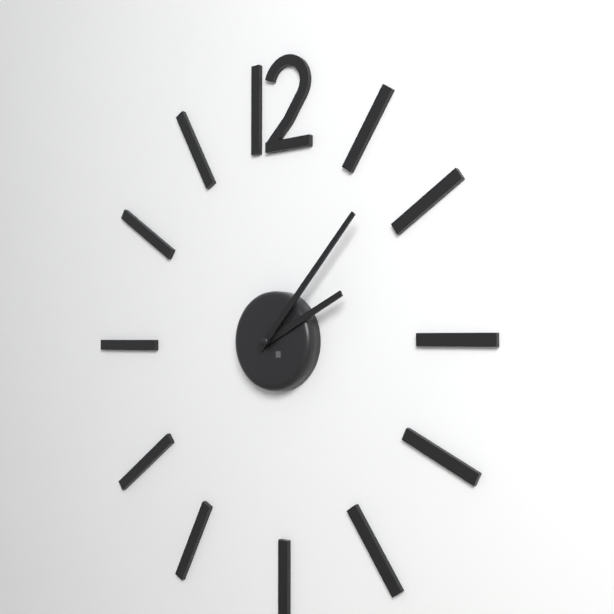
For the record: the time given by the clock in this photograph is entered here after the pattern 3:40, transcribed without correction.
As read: 2:07
